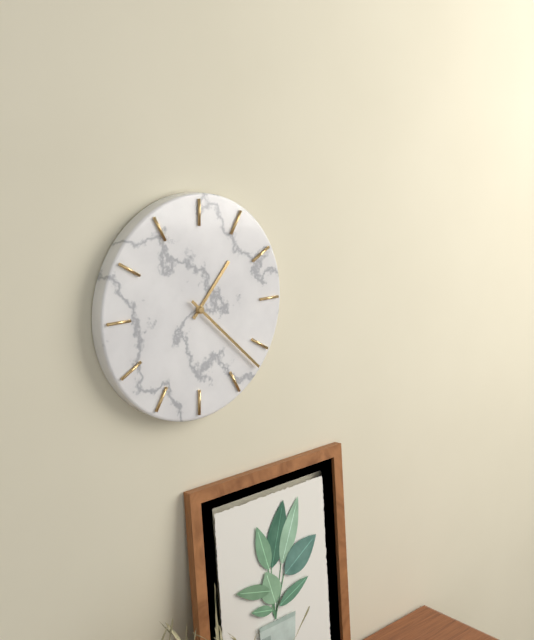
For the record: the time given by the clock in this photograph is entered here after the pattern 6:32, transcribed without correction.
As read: 1:22
